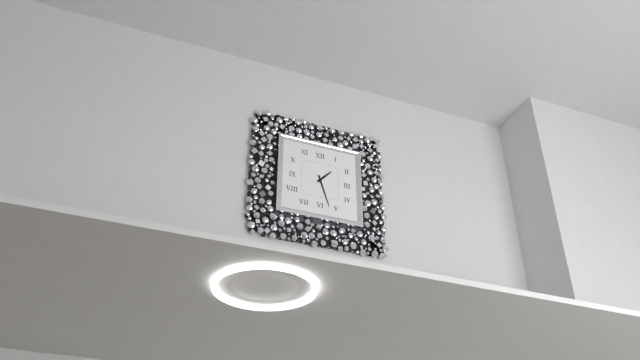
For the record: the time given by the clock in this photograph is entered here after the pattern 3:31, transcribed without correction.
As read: 1:27
